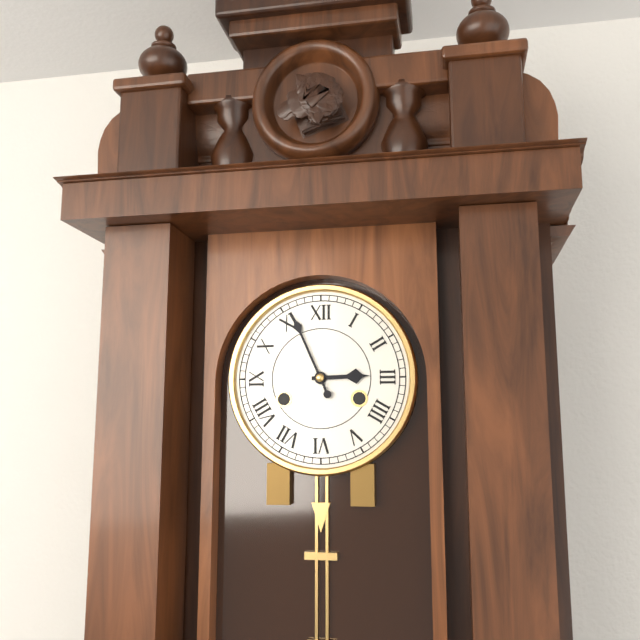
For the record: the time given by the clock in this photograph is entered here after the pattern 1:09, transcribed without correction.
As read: 2:56
